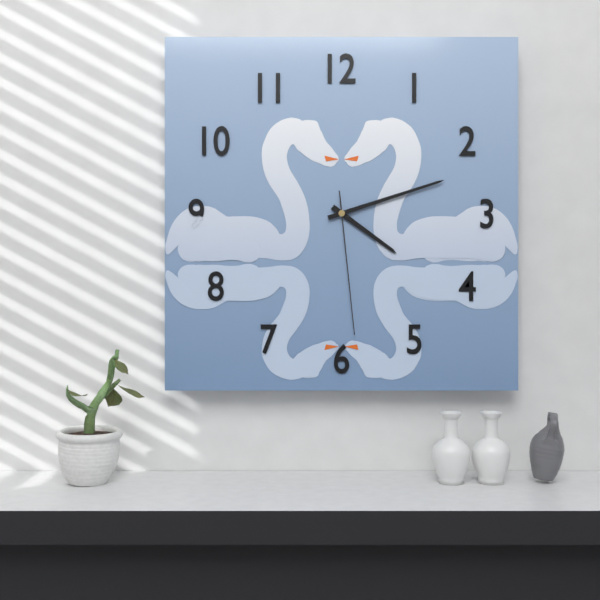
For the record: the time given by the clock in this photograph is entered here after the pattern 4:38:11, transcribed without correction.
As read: 4:12:29
